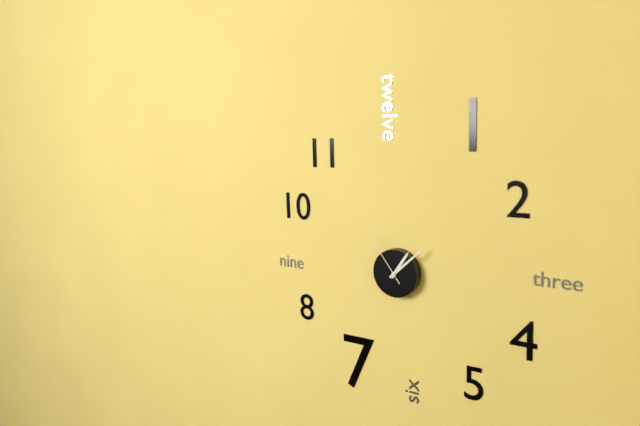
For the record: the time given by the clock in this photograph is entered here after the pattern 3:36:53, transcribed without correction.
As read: 1:08:54
